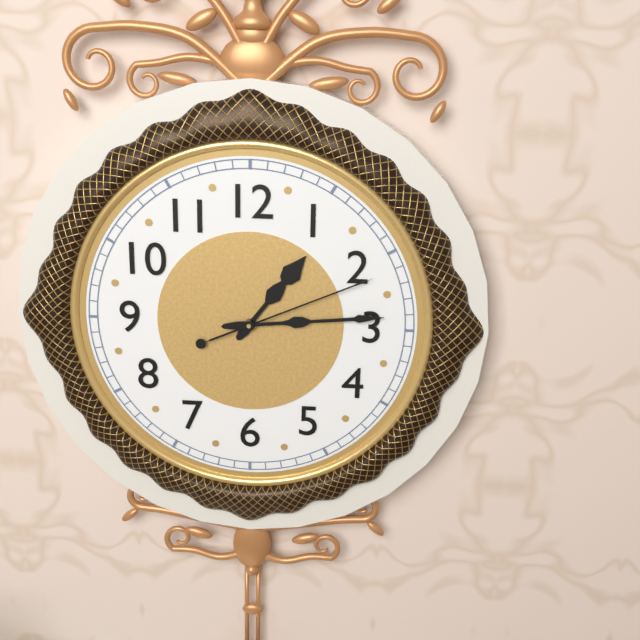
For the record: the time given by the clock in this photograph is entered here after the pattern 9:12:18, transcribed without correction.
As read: 1:14:11
